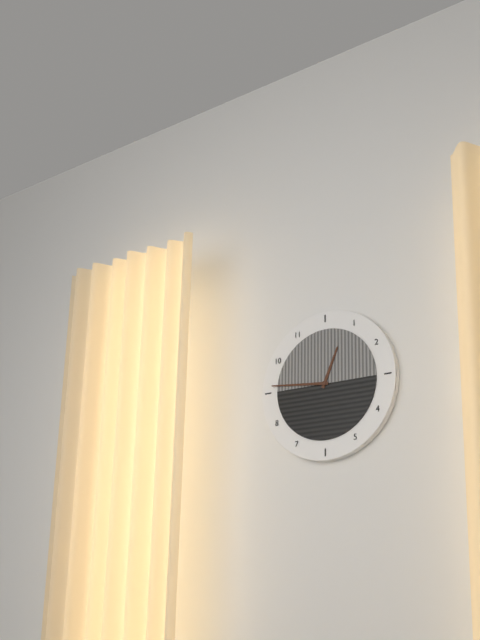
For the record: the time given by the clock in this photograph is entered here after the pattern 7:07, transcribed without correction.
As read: 12:46
